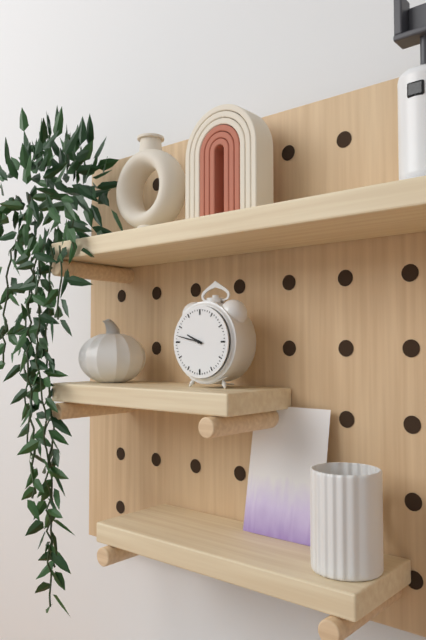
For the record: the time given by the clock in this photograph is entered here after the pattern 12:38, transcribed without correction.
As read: 9:47
